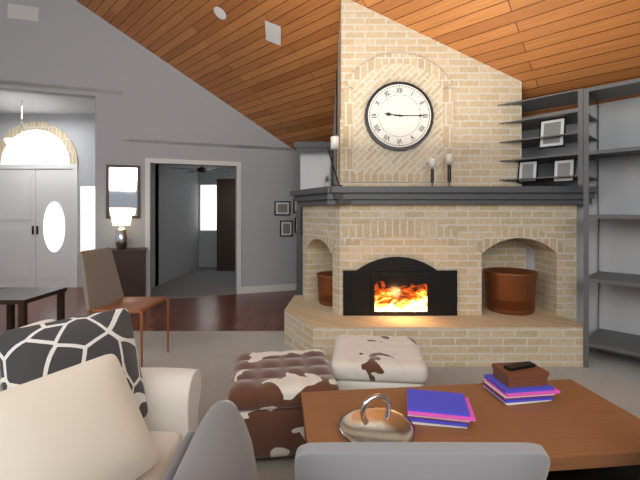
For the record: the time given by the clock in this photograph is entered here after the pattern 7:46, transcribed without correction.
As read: 9:15
